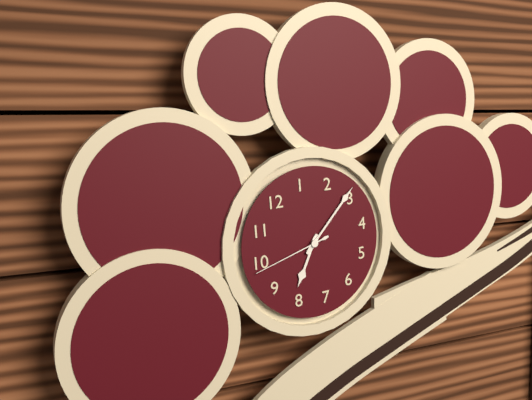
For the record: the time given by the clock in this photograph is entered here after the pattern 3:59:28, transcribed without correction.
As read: 8:14:49
